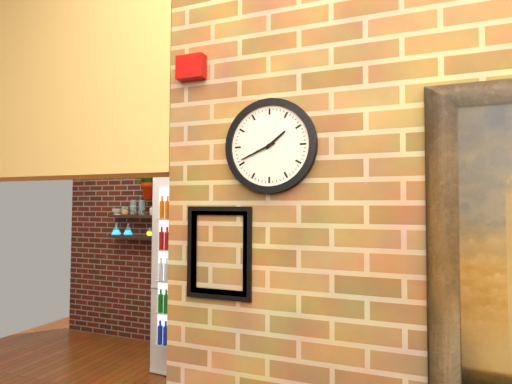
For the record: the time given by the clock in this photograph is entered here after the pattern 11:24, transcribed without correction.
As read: 1:41
